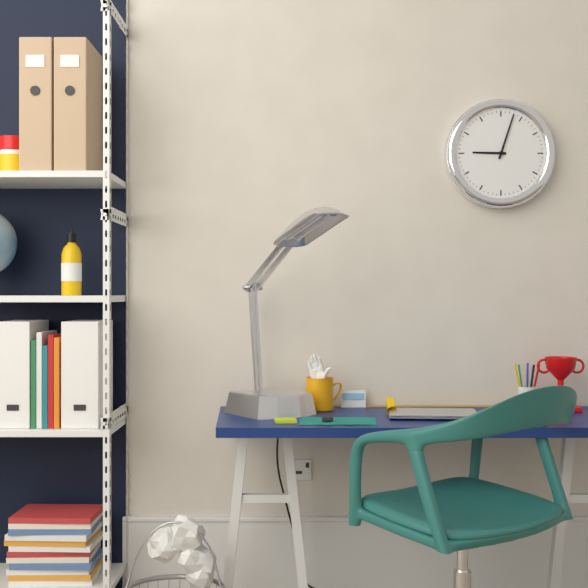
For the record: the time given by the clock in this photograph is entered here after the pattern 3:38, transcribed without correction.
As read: 9:03
